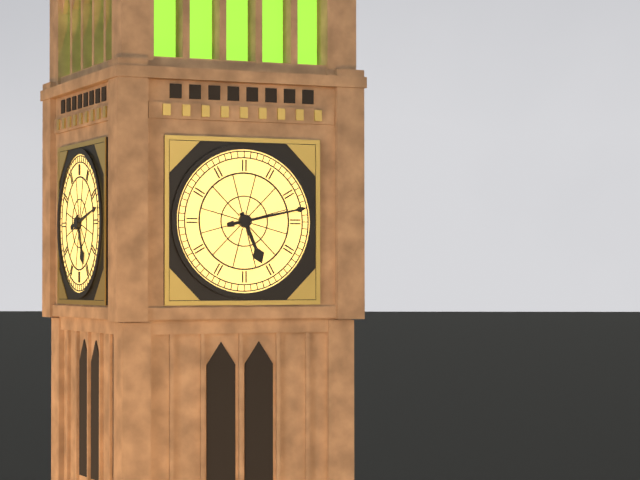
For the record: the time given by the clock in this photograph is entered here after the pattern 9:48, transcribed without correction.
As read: 5:13
